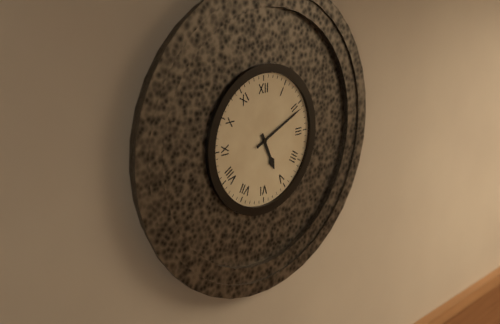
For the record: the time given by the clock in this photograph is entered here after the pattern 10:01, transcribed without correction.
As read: 5:11
